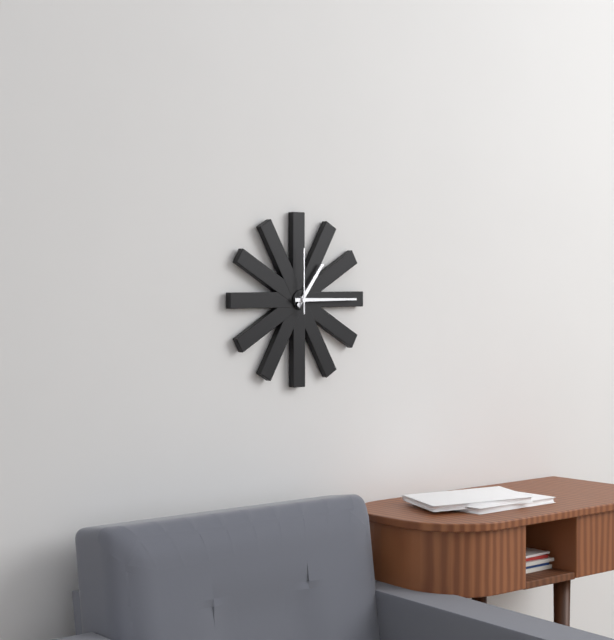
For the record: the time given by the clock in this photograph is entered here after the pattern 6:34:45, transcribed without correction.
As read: 1:15:00
